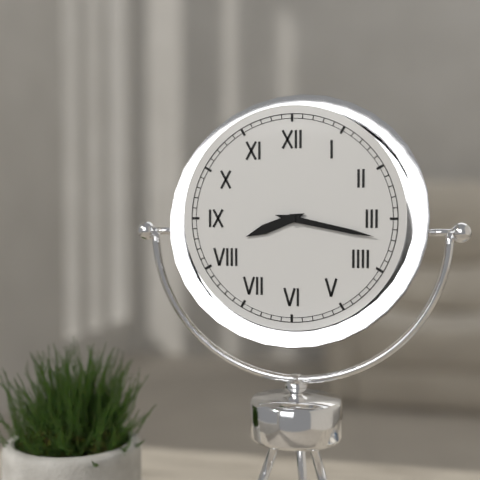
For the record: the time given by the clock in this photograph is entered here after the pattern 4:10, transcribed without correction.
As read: 8:17
